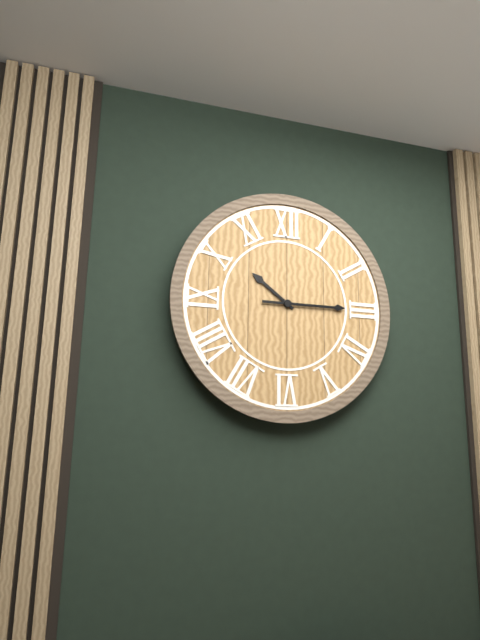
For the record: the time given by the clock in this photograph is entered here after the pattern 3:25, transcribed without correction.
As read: 10:15
